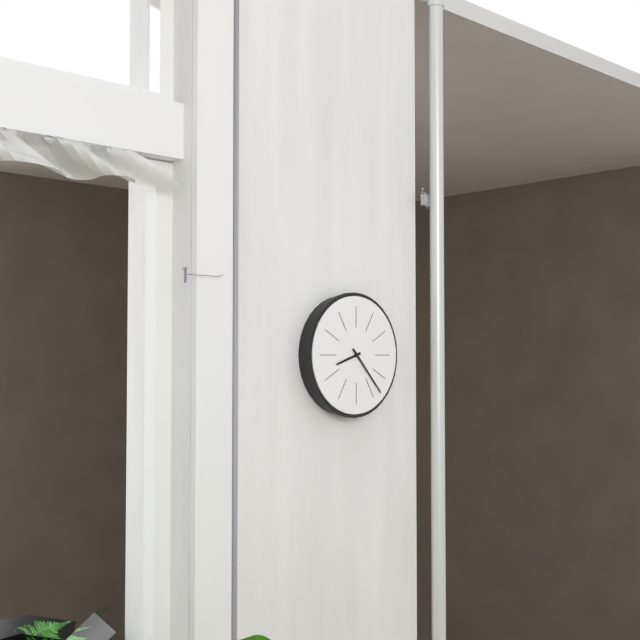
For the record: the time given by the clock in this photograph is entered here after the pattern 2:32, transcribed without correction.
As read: 8:23
